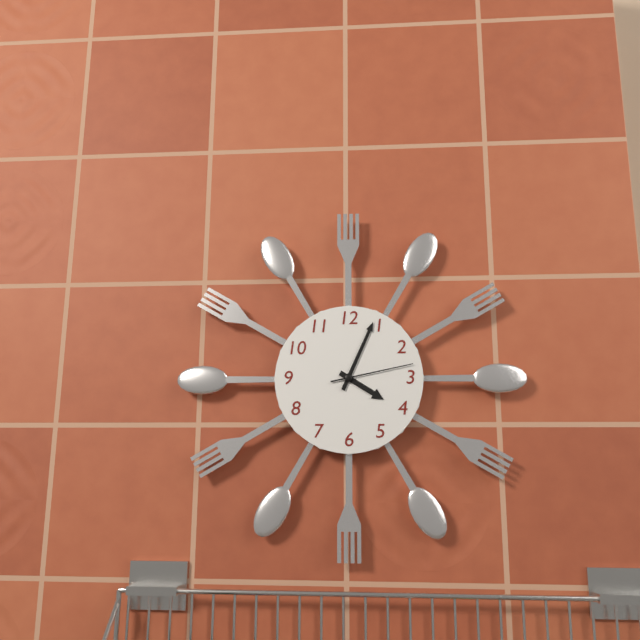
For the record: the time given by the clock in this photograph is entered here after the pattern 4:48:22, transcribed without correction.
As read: 4:04:13
